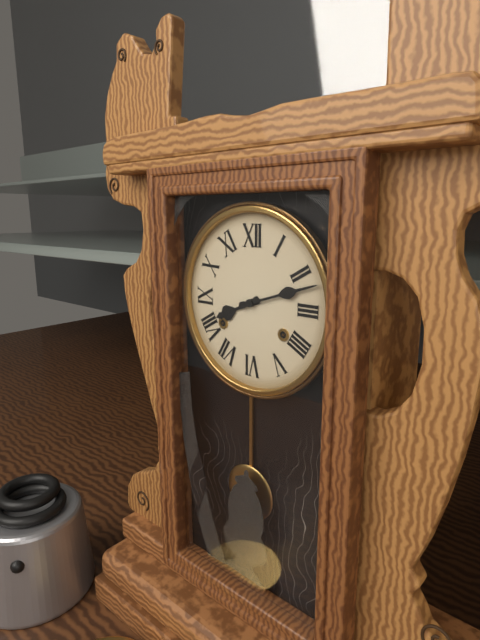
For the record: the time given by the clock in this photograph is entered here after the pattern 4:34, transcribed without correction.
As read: 8:12
